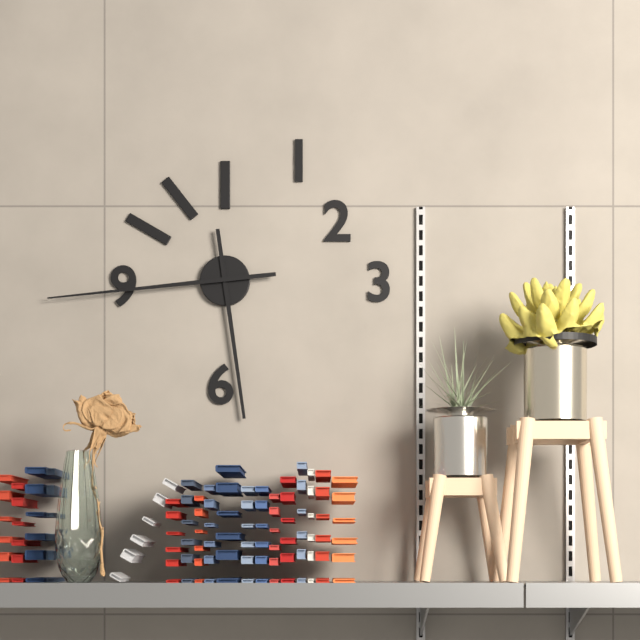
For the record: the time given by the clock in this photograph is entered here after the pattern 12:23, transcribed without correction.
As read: 5:44
